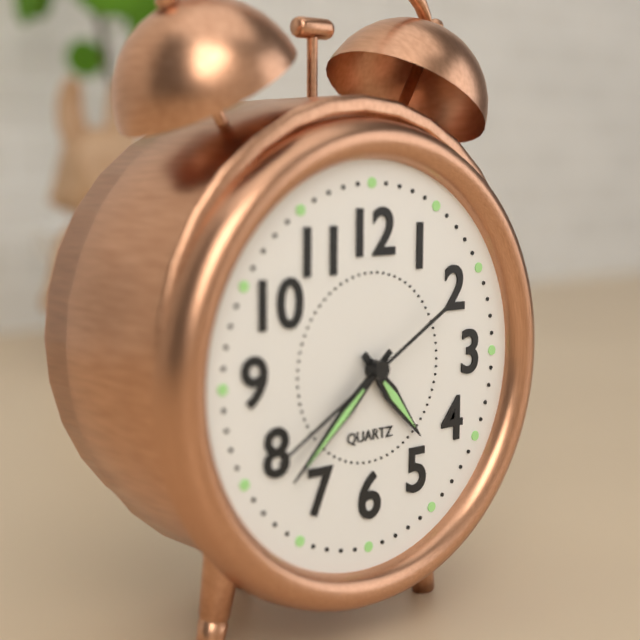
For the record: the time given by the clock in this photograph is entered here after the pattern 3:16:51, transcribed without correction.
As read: 4:38:40
